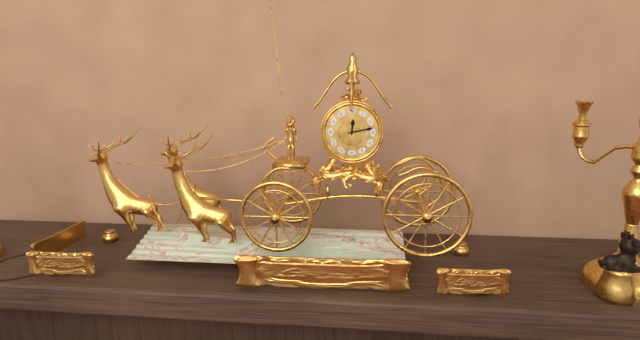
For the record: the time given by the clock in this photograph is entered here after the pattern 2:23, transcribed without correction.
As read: 12:13
